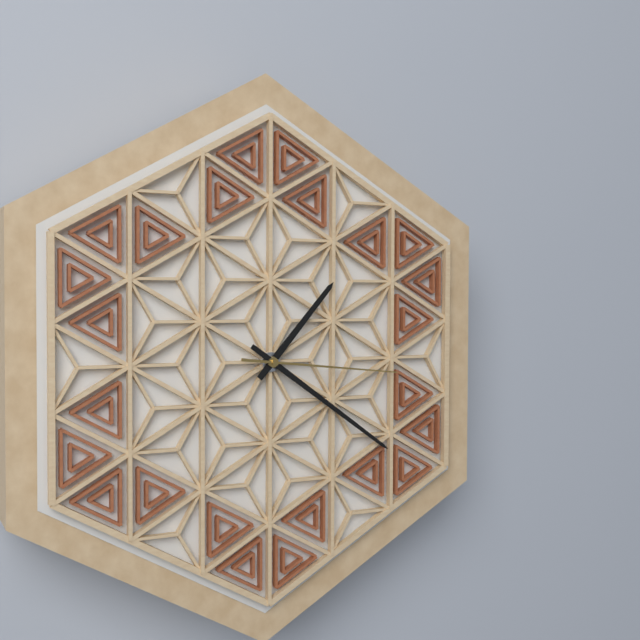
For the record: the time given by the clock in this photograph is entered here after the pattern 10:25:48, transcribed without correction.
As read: 1:21:16
